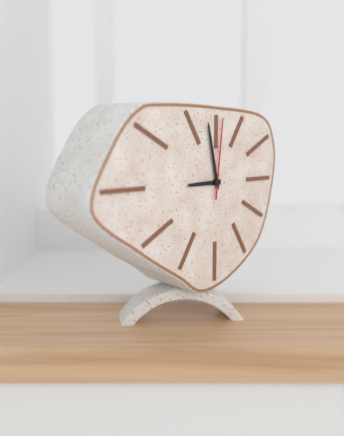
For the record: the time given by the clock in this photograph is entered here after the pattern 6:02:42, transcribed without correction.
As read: 8:58:01
